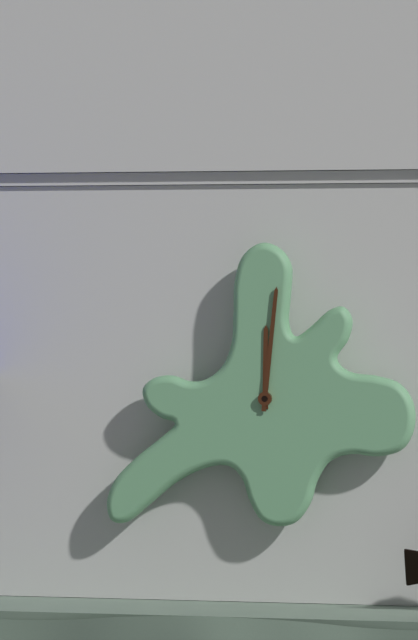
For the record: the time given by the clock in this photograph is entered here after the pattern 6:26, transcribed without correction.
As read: 12:01
